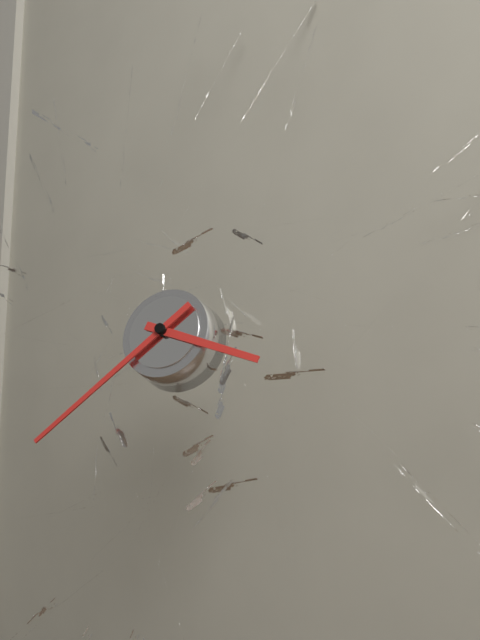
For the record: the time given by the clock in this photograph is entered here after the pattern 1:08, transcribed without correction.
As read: 3:38
